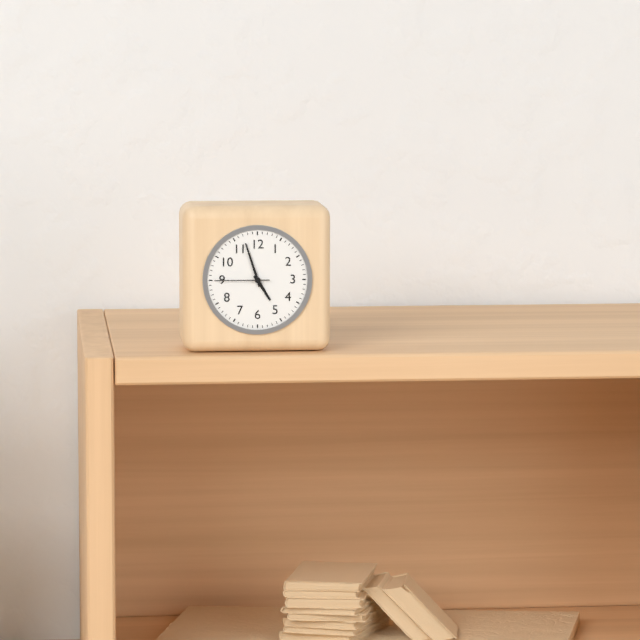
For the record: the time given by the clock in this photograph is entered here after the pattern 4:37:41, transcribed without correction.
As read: 4:57:45
